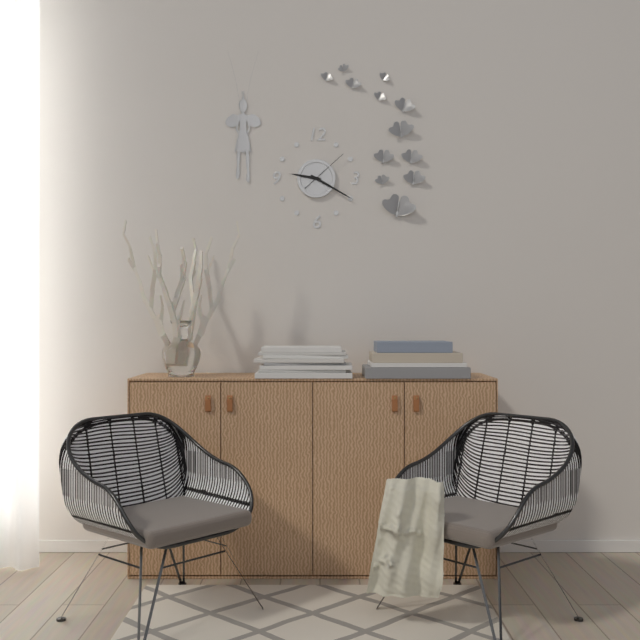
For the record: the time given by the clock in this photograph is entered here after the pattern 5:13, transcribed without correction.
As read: 9:20
